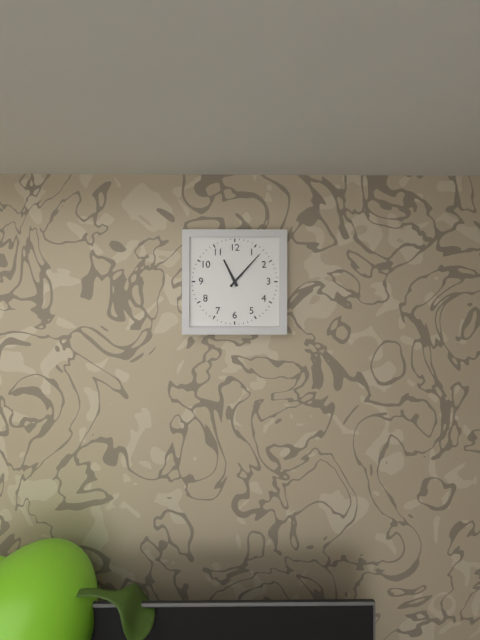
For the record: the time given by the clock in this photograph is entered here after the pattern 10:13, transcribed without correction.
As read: 11:07
